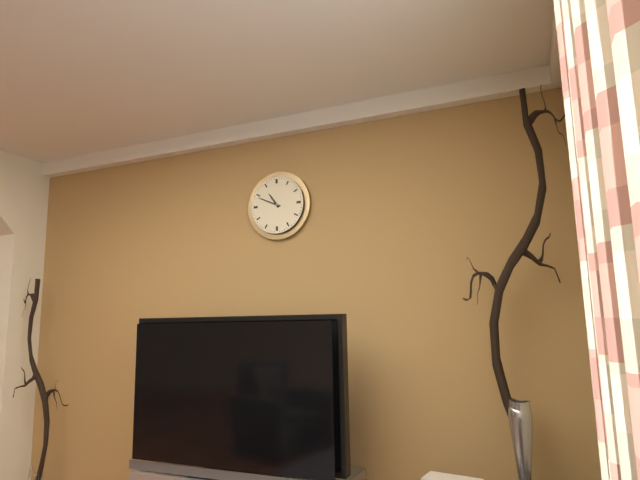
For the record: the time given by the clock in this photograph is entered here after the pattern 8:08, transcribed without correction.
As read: 10:49
